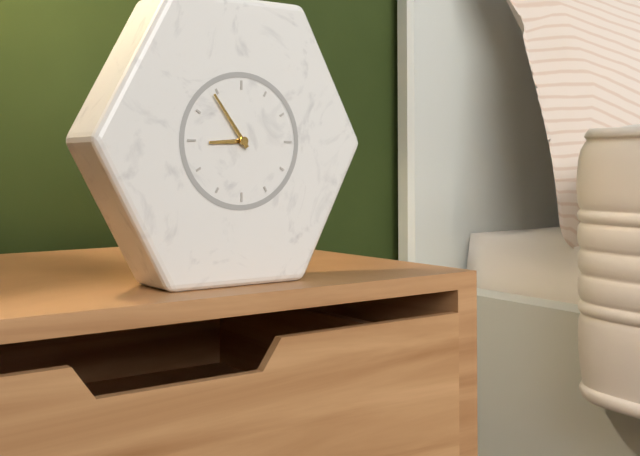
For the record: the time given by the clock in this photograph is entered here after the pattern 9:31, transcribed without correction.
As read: 8:54
